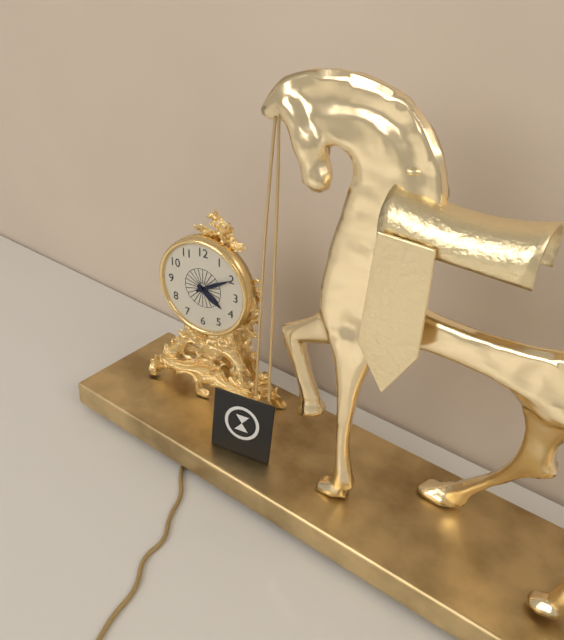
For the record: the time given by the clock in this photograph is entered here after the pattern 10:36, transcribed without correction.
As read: 4:10
